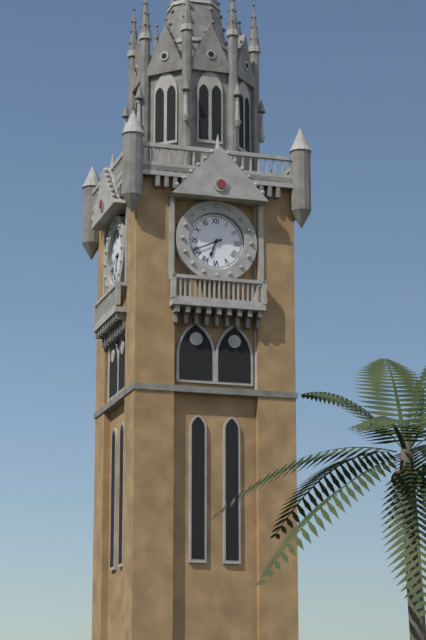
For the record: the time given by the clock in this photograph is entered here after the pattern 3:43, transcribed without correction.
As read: 6:41
